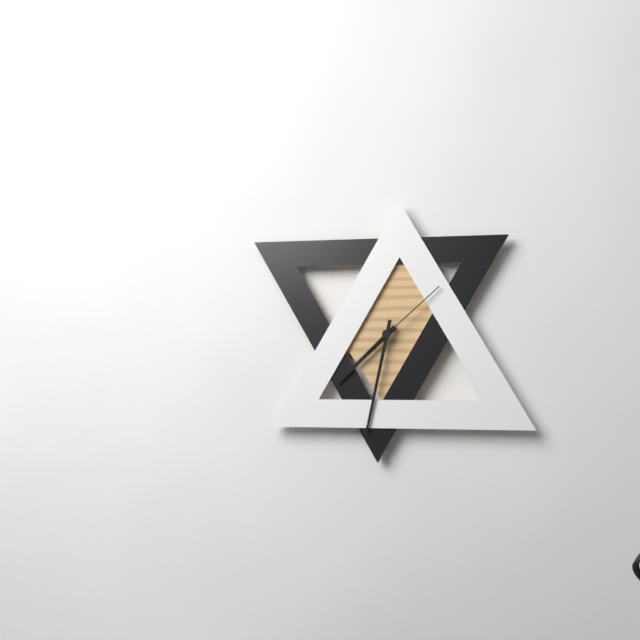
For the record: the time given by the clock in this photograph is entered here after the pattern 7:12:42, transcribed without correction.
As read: 7:32:08
